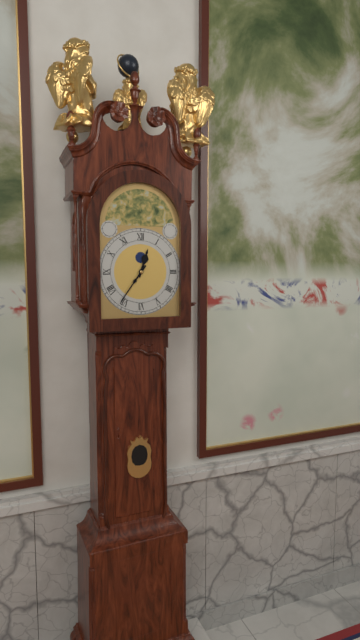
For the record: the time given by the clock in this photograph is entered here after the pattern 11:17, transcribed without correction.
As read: 12:36
